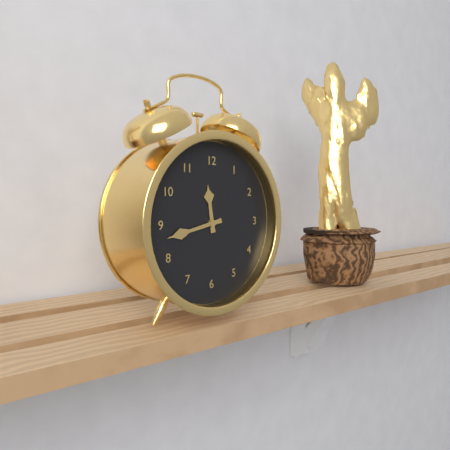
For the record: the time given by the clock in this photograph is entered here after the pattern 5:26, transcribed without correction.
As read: 11:43
